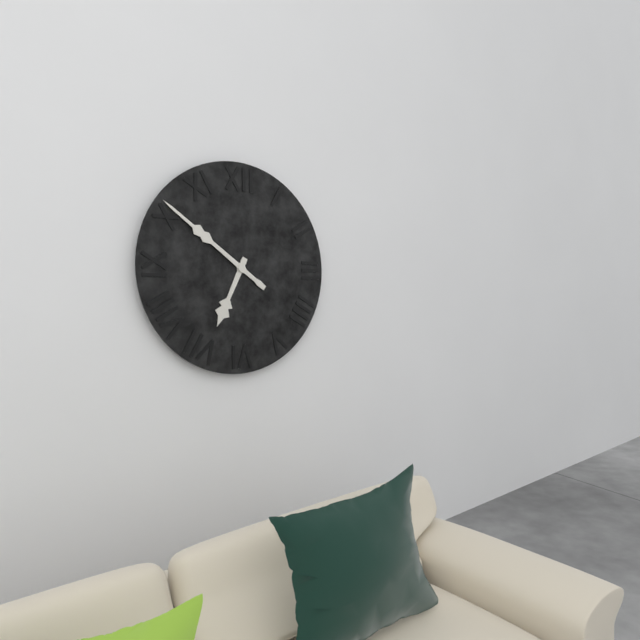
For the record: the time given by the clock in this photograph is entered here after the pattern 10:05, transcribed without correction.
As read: 6:51
